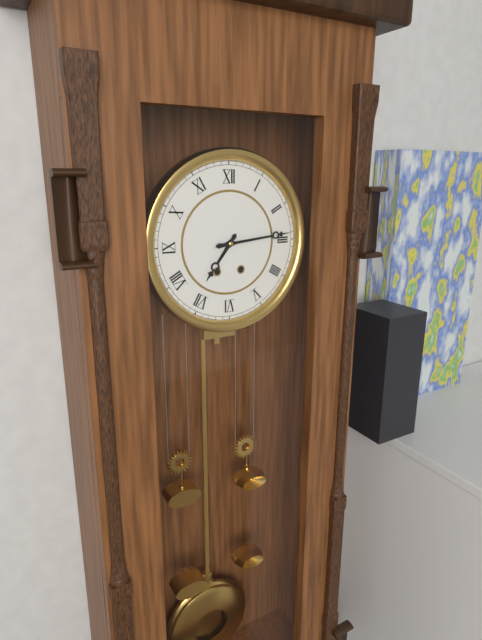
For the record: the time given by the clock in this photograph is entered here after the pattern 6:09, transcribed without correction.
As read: 7:14
